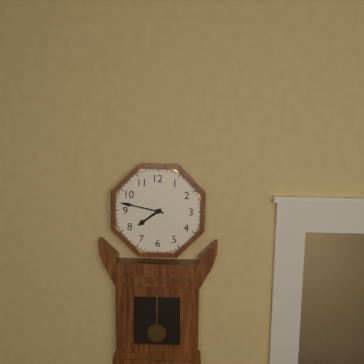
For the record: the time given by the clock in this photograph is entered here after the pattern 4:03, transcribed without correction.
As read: 7:47
